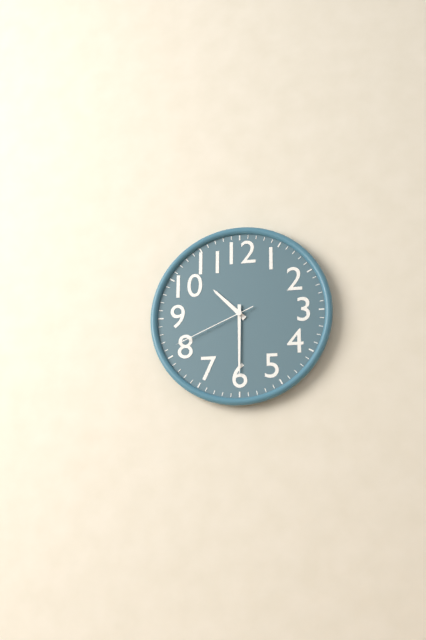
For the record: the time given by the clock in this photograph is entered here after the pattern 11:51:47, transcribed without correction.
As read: 10:30:41
